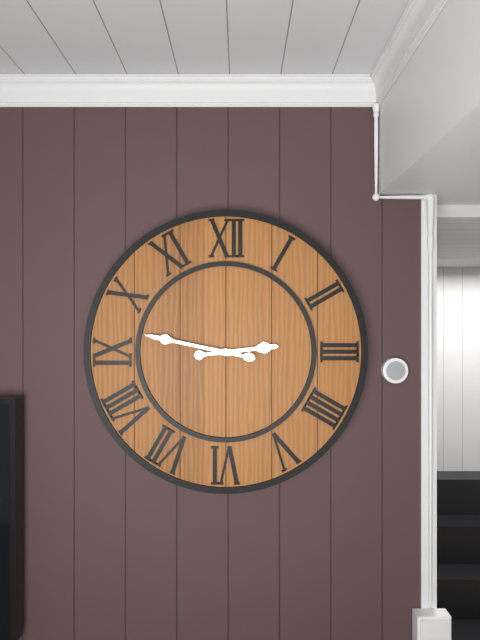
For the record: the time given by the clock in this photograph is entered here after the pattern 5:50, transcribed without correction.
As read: 2:47
